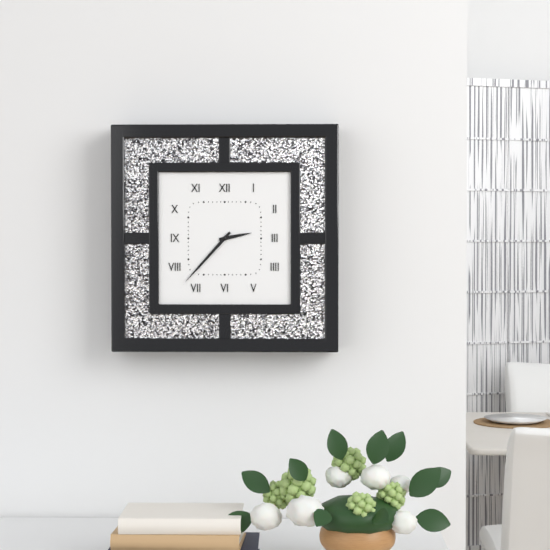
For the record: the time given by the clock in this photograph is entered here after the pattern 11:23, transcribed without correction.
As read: 2:37
